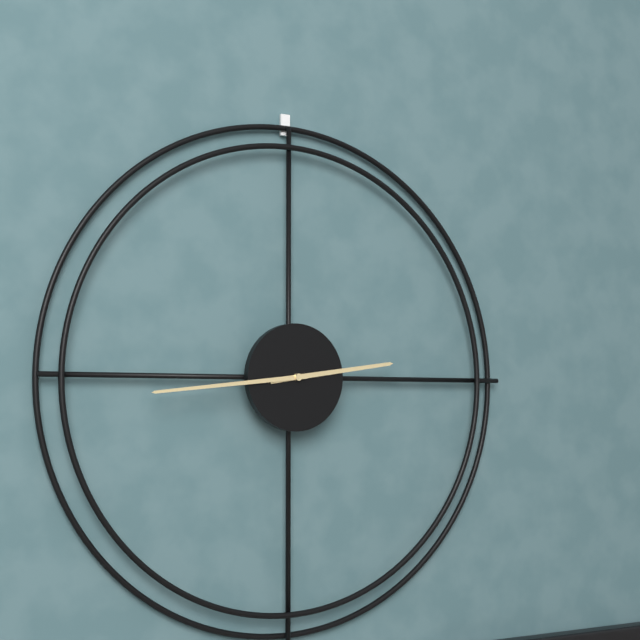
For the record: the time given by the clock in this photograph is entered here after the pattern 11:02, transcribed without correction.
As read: 2:44
